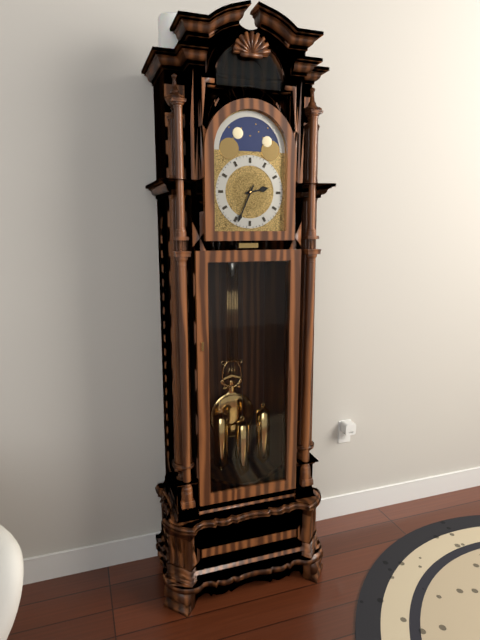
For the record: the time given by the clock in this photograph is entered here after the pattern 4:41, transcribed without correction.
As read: 2:34
